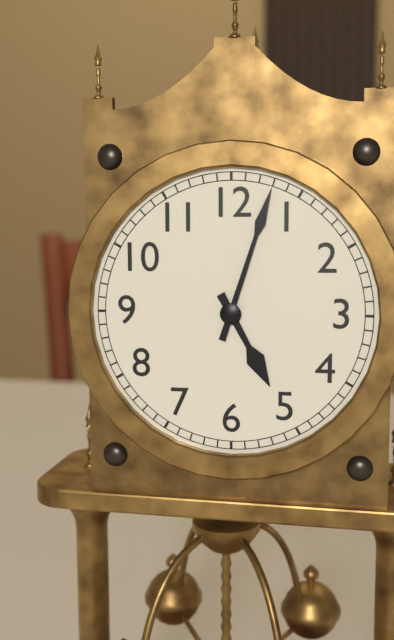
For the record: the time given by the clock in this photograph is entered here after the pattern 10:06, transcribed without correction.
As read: 5:03
